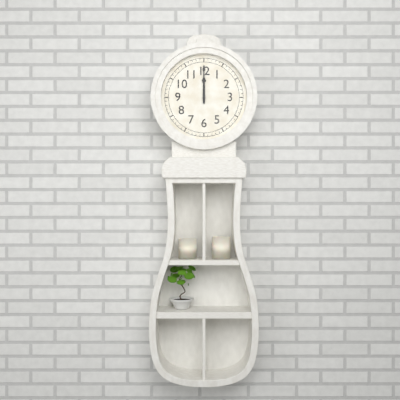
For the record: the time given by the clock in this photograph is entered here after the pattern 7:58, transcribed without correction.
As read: 12:00
